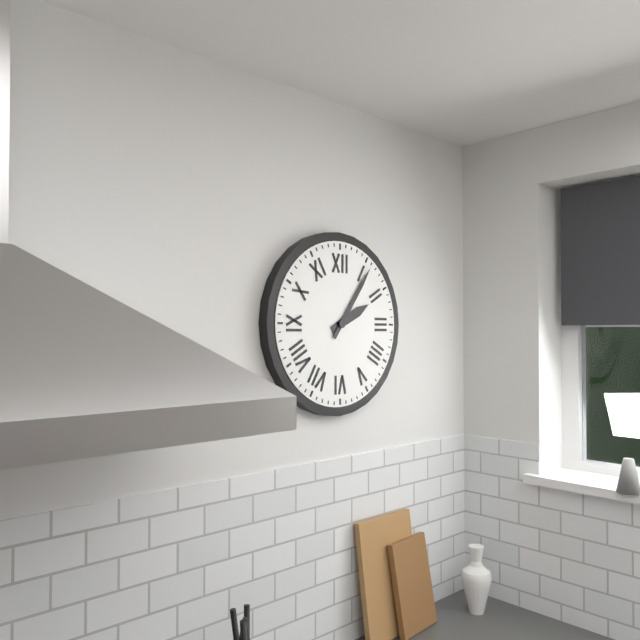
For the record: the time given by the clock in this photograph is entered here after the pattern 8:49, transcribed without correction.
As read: 2:06
